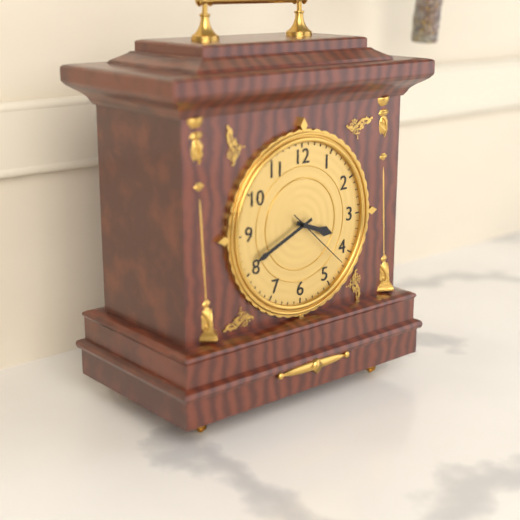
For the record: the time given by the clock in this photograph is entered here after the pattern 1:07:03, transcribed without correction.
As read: 3:41:22
